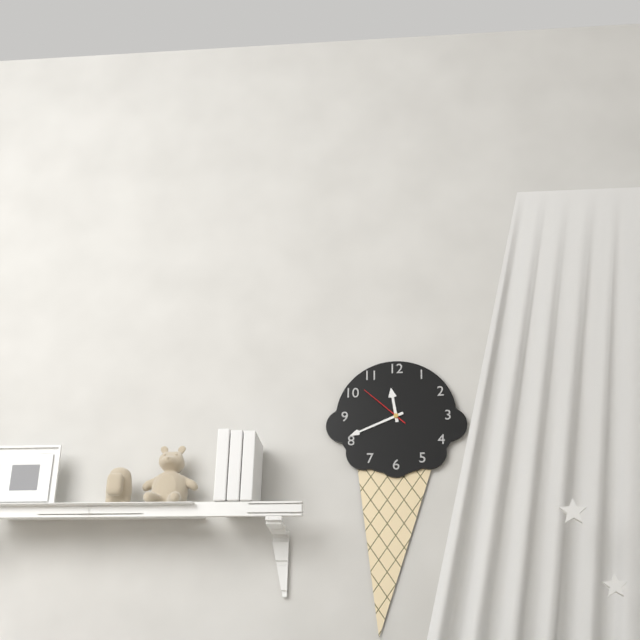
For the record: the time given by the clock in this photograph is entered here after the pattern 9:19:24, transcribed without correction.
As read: 11:41:52
